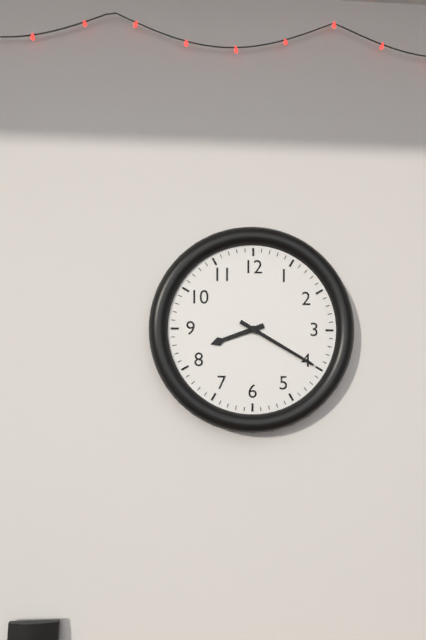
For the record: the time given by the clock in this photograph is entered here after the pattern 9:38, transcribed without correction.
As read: 8:20
